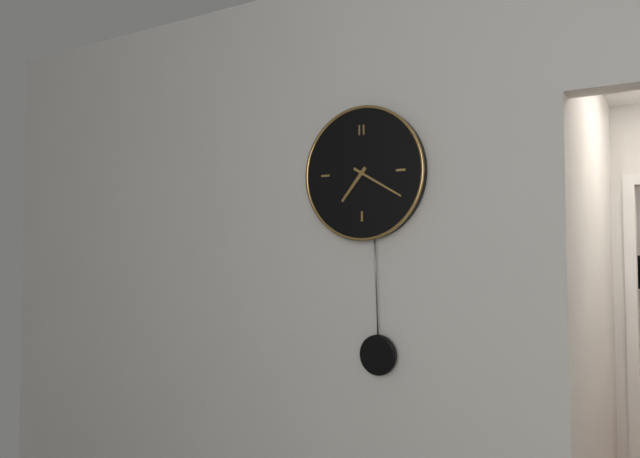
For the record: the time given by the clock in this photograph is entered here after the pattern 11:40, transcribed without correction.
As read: 7:20
